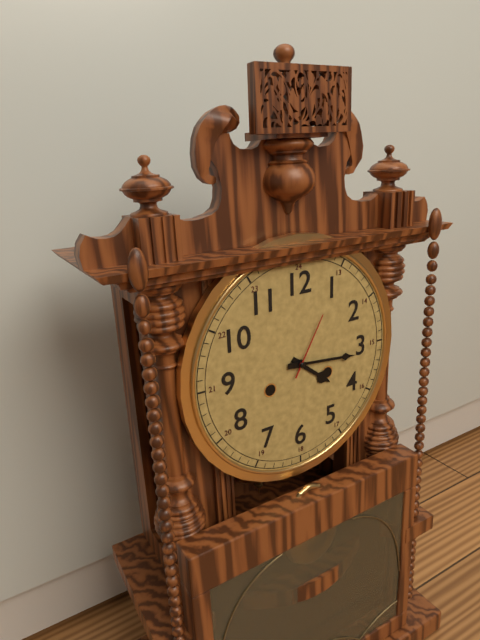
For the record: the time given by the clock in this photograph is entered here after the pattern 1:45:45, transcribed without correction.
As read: 4:16:05
